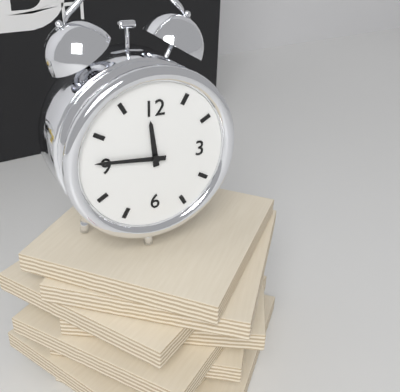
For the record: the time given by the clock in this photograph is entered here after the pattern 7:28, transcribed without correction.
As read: 11:46
